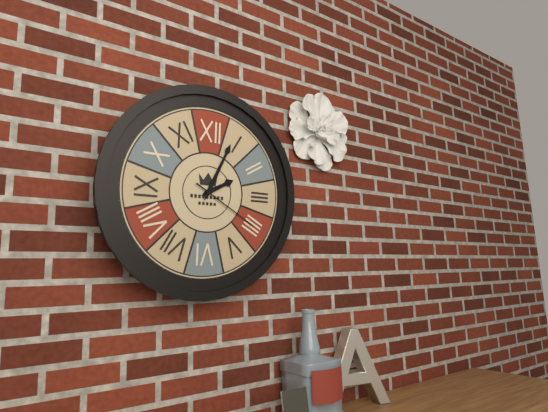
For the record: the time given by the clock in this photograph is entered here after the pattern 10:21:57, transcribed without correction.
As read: 2:04:20
